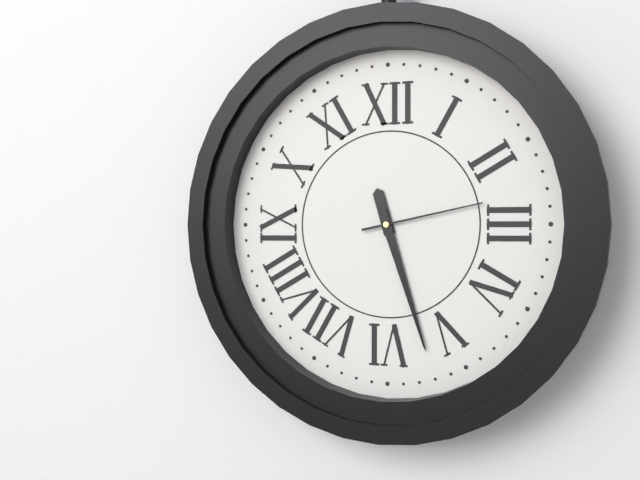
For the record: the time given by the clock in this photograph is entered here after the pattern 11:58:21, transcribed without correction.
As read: 11:27:13
